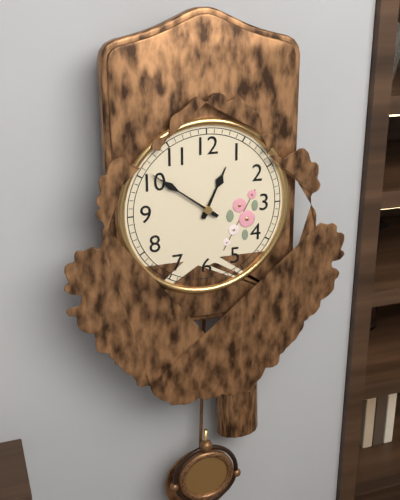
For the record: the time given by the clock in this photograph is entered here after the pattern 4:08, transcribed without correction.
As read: 12:51
